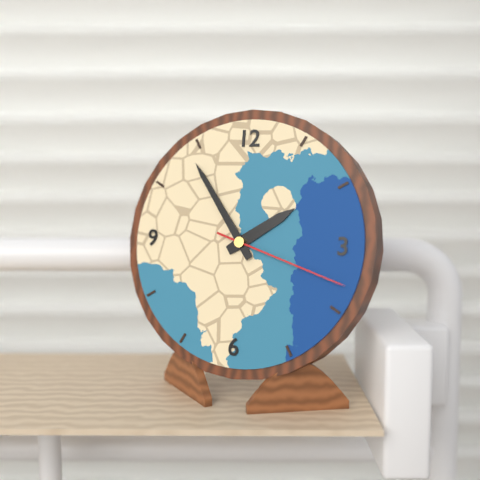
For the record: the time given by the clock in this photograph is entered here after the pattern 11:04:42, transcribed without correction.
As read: 1:54:18
